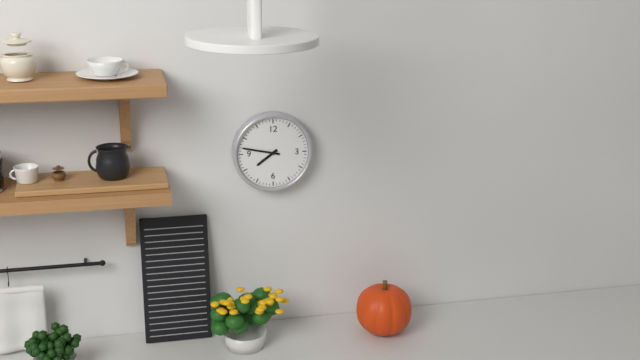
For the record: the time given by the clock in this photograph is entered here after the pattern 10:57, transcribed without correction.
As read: 7:47
